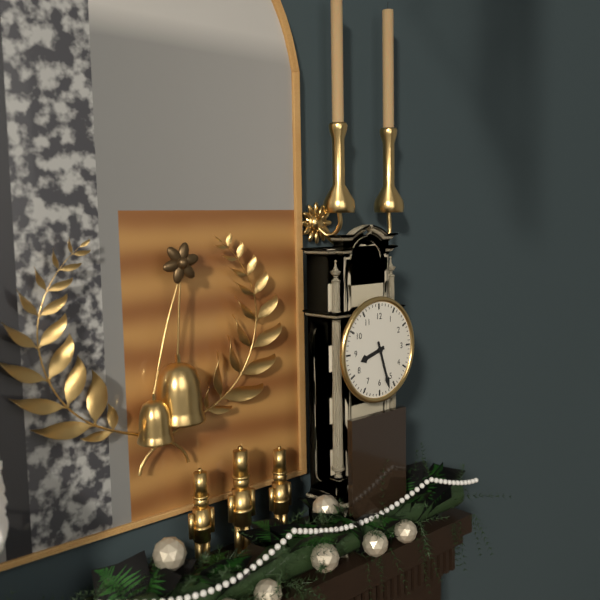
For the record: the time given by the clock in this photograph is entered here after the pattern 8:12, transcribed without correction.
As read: 8:27
